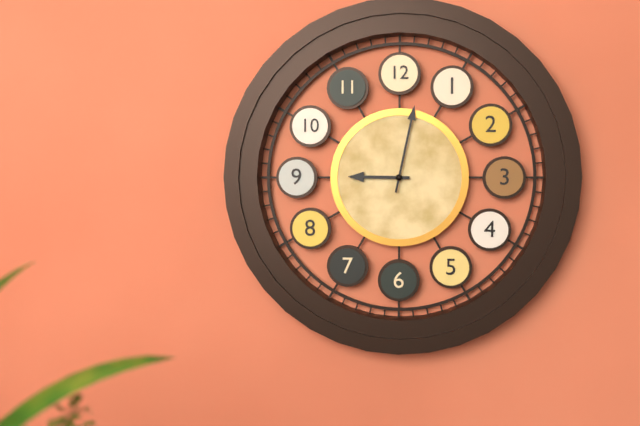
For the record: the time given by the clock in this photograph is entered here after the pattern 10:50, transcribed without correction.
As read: 9:02
